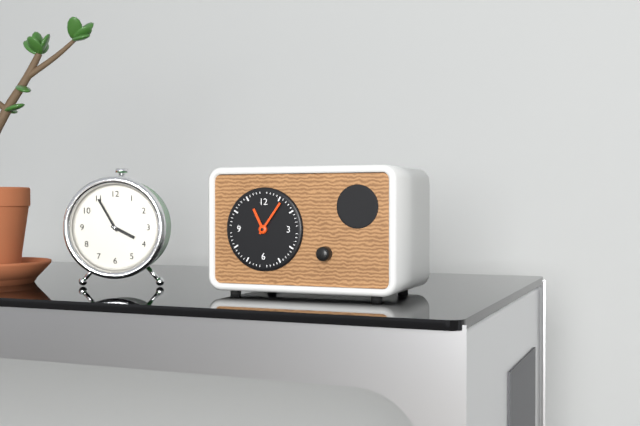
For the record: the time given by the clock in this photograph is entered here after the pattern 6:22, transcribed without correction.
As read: 11:06
